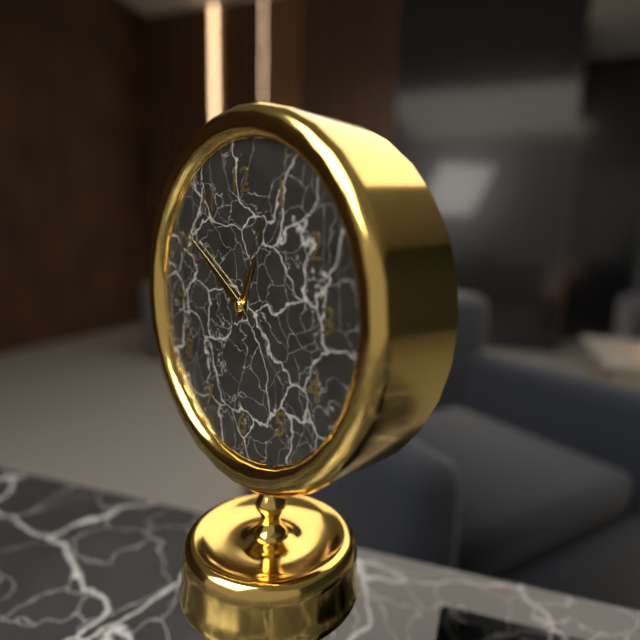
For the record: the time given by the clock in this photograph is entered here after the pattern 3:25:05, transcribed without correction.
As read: 12:51:04
